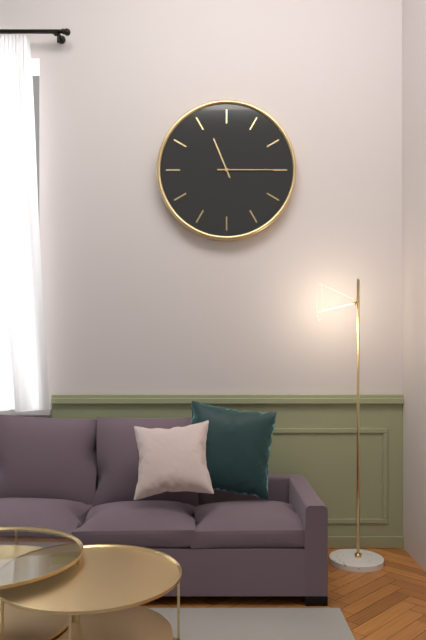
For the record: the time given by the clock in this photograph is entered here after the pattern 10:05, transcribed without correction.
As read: 11:15
